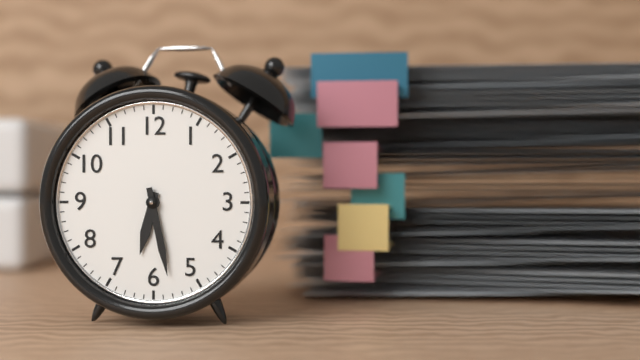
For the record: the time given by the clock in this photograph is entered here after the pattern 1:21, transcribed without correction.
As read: 6:28
